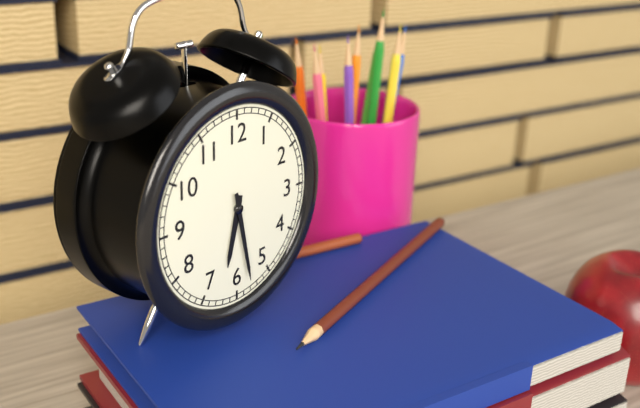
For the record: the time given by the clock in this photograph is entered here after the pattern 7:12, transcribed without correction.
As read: 6:28
